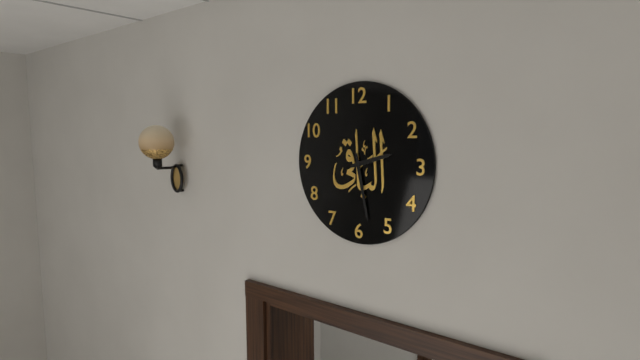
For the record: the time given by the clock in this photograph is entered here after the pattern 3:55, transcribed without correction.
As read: 2:28
